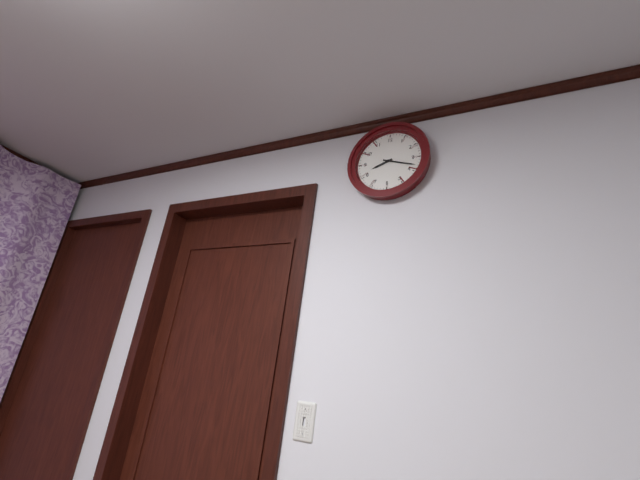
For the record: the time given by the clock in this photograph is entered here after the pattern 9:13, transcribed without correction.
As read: 8:18
